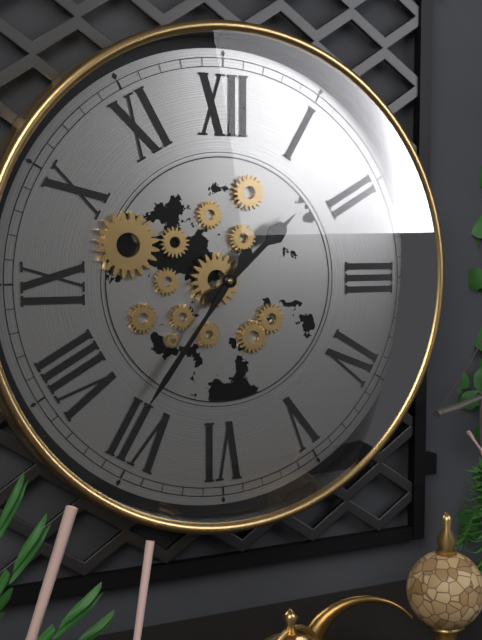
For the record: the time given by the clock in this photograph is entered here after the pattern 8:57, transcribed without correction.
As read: 1:36
